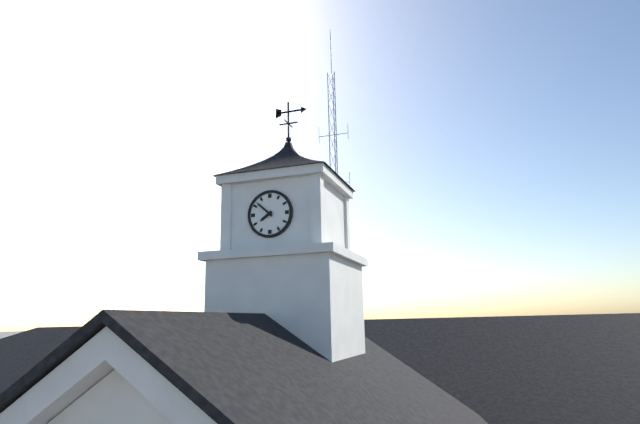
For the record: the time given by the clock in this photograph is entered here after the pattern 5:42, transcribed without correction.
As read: 7:52
